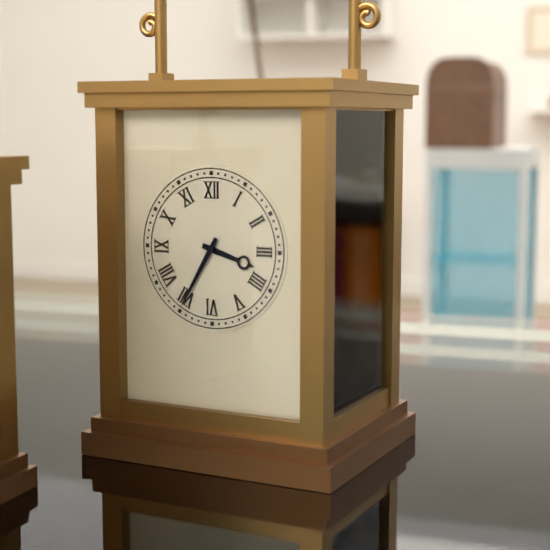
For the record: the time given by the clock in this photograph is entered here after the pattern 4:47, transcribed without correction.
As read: 3:35
